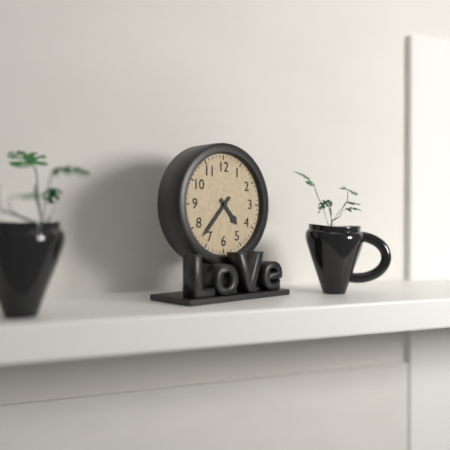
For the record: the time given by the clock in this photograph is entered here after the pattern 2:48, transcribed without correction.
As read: 4:37
